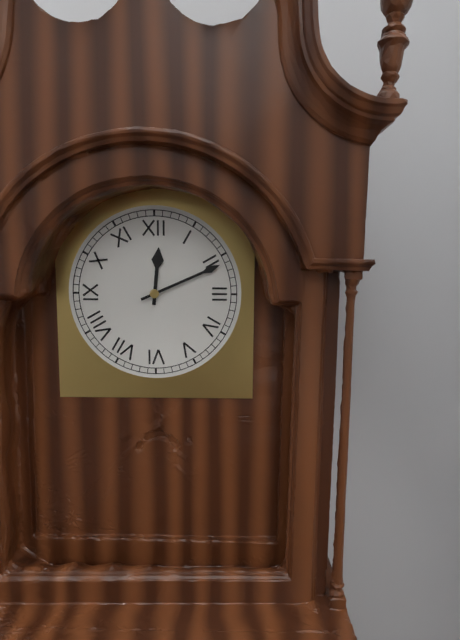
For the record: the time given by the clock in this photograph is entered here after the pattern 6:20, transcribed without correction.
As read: 12:11
